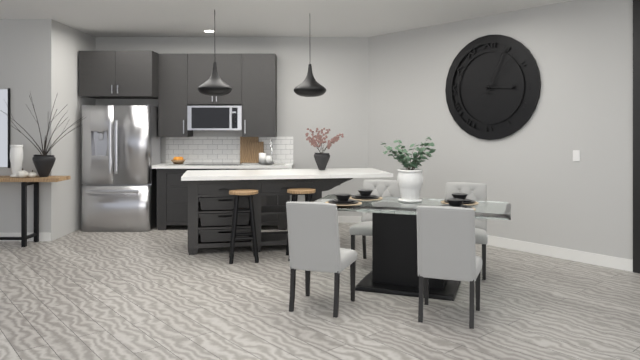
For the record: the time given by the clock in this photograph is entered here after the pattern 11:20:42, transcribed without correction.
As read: 3:04:07
